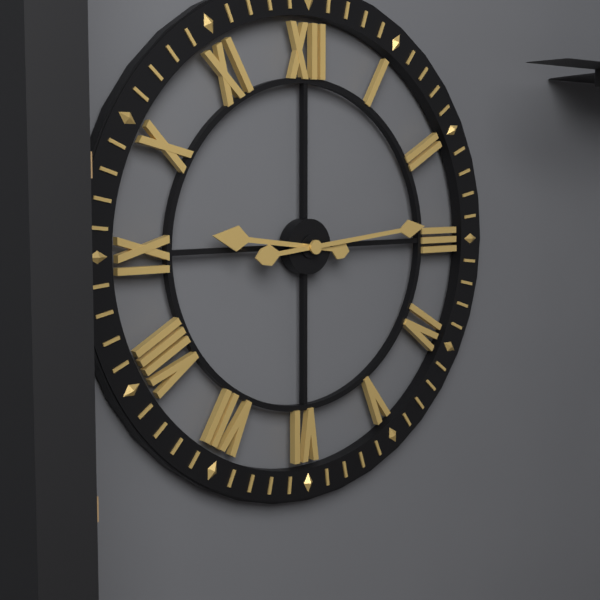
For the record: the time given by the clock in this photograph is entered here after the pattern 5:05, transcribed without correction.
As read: 9:14
